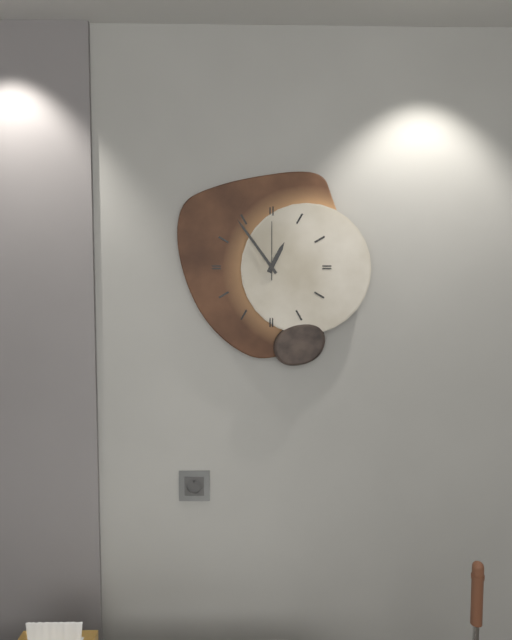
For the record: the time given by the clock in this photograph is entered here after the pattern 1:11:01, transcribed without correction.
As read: 12:54:00
